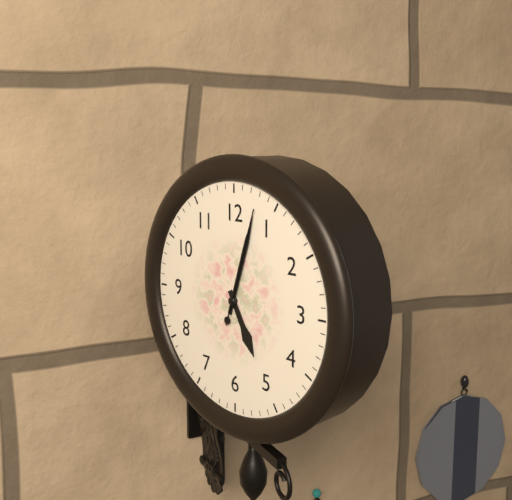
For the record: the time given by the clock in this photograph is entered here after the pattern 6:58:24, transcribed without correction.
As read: 5:03:03
